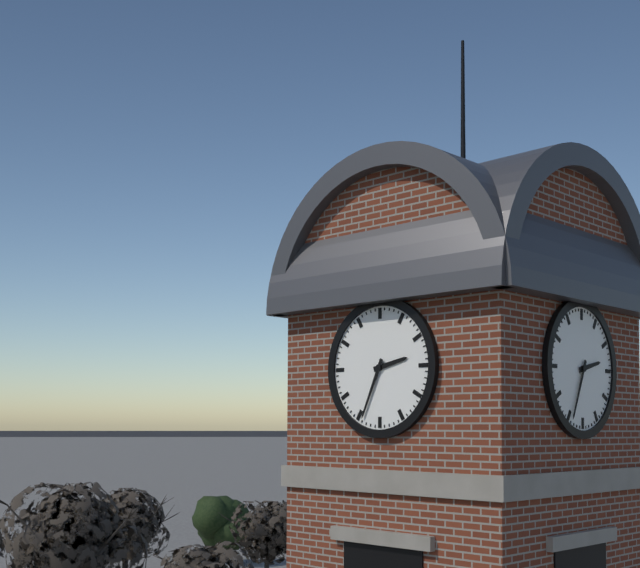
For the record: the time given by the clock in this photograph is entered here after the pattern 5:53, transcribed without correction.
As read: 2:34
